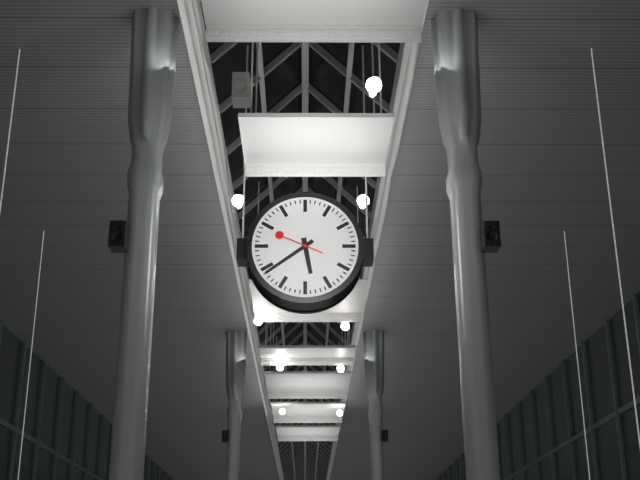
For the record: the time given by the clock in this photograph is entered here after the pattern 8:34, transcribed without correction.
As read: 5:39
